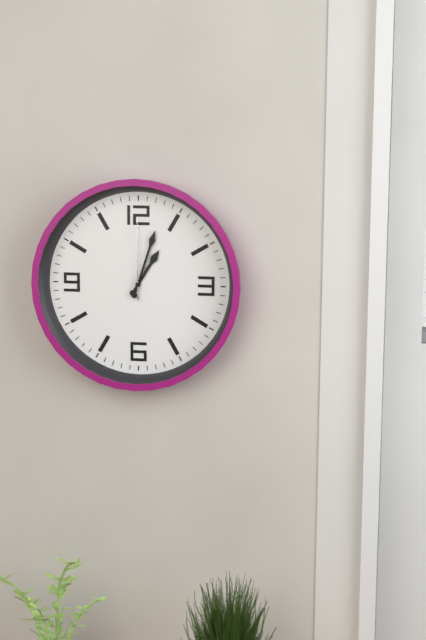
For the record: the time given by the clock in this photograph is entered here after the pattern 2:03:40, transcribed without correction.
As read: 1:03:00
